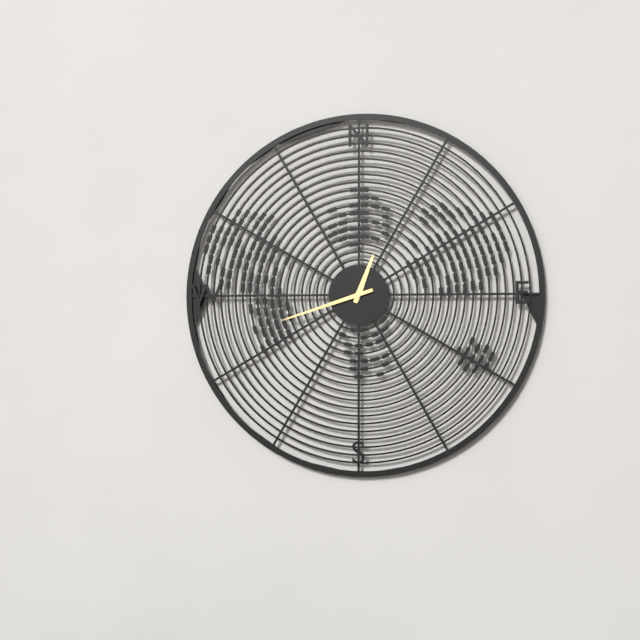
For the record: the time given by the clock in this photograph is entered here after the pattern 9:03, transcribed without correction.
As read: 12:42
